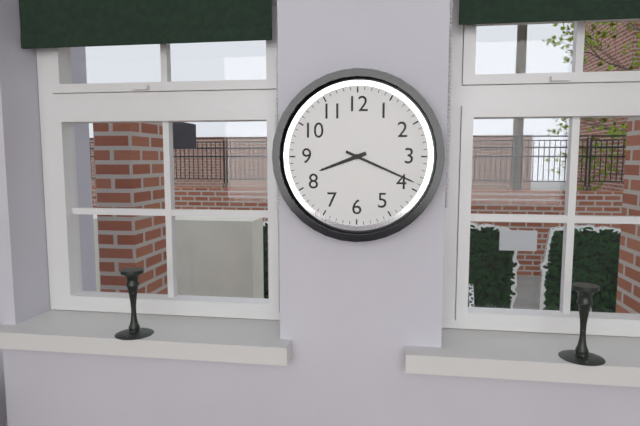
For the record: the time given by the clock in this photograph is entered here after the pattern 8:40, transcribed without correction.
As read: 8:19
